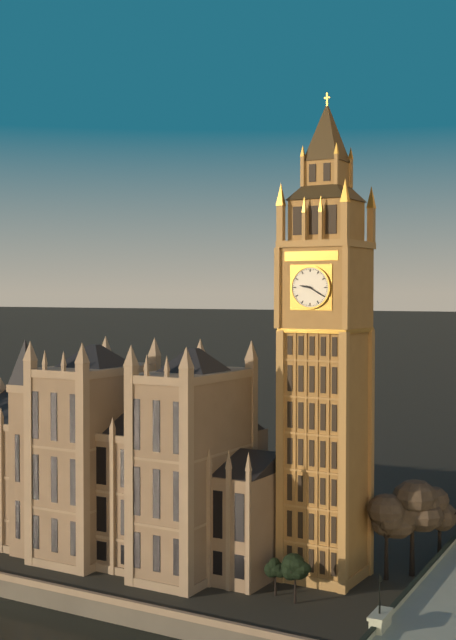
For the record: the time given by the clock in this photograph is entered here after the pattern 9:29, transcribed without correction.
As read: 9:20
